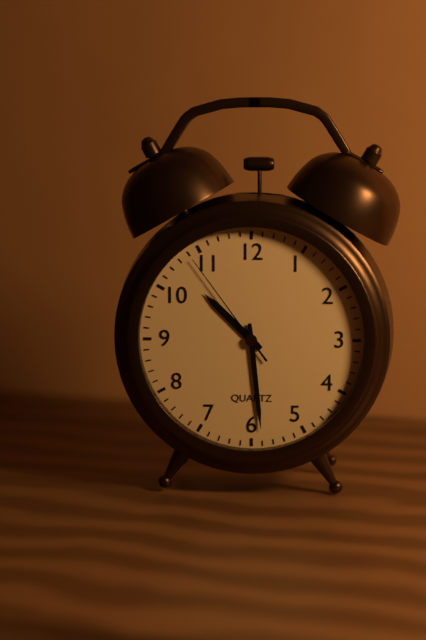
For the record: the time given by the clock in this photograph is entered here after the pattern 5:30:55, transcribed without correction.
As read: 10:29:54
